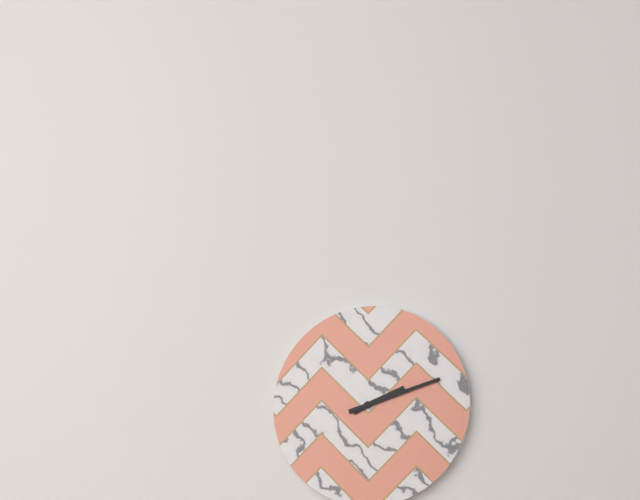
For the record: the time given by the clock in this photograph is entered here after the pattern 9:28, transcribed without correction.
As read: 2:12
